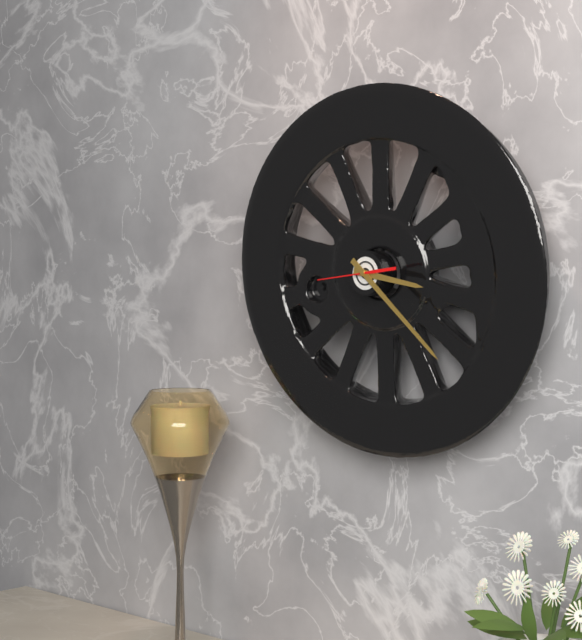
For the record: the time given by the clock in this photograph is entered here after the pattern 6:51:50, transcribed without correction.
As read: 3:22:44
